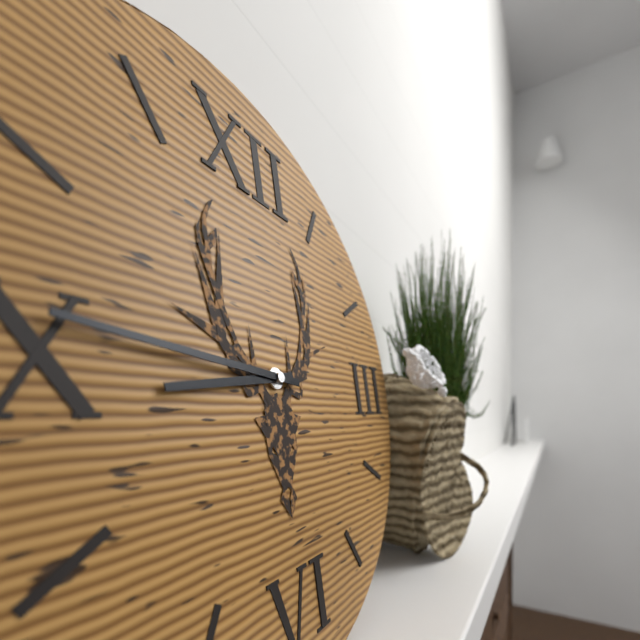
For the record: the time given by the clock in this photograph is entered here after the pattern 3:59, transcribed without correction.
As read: 8:46
